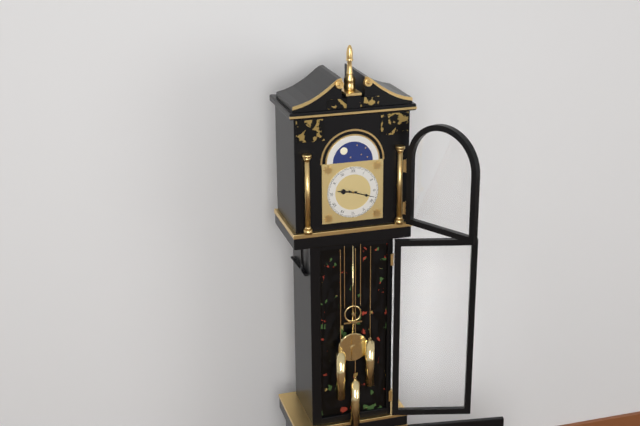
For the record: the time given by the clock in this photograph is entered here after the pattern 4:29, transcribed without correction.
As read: 9:18
